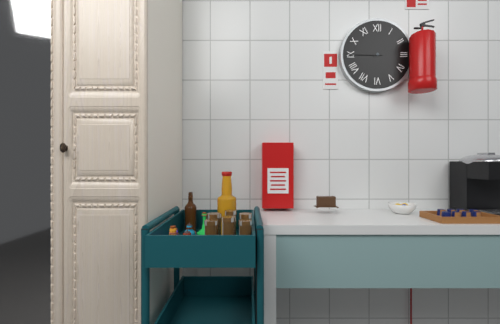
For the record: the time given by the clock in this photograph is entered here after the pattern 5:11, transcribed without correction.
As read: 1:45
